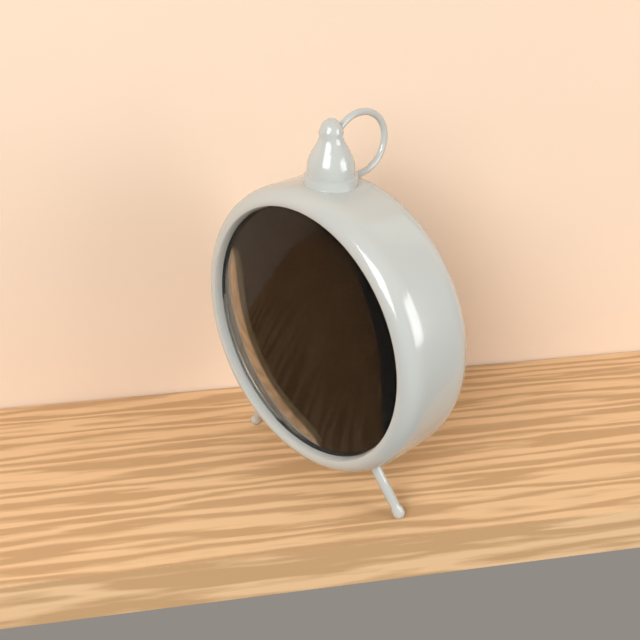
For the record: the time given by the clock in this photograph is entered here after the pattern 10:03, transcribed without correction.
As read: 11:36
